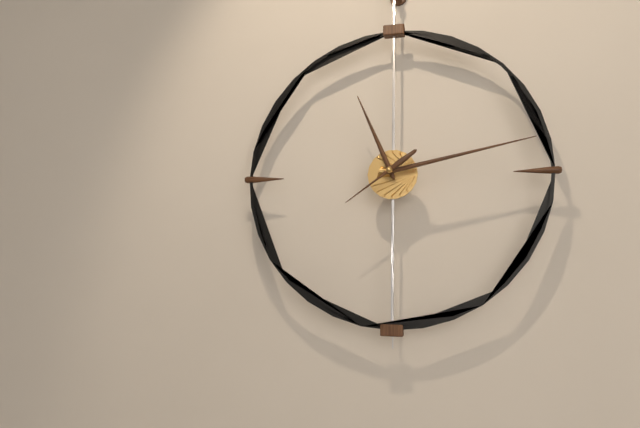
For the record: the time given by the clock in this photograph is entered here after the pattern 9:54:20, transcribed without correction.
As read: 11:13:39
